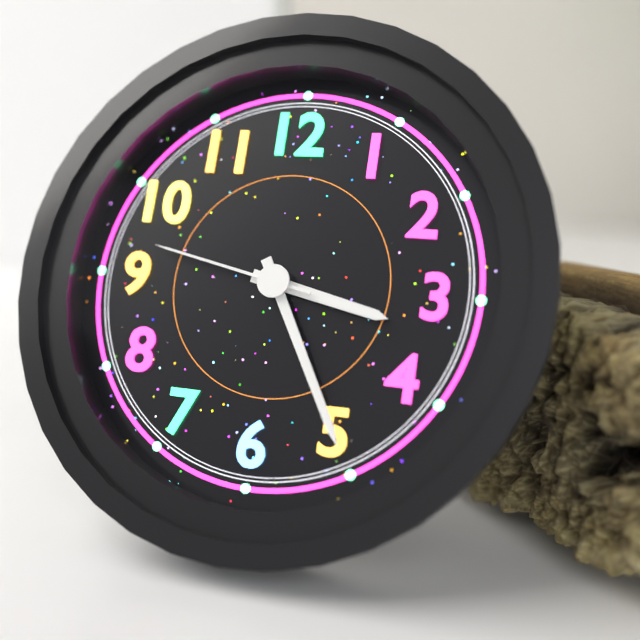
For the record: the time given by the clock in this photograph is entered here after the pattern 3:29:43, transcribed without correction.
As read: 3:25:47
